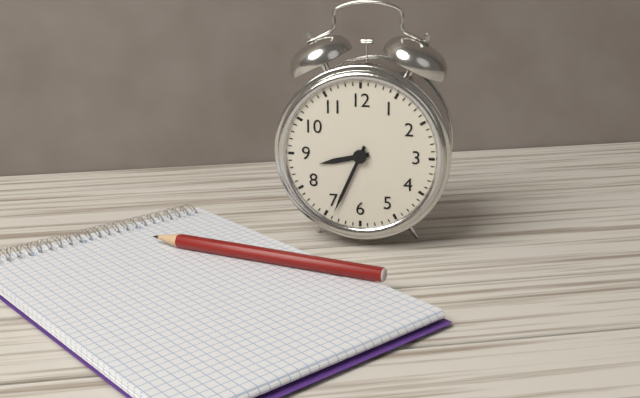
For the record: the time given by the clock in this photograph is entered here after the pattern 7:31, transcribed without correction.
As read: 8:34
